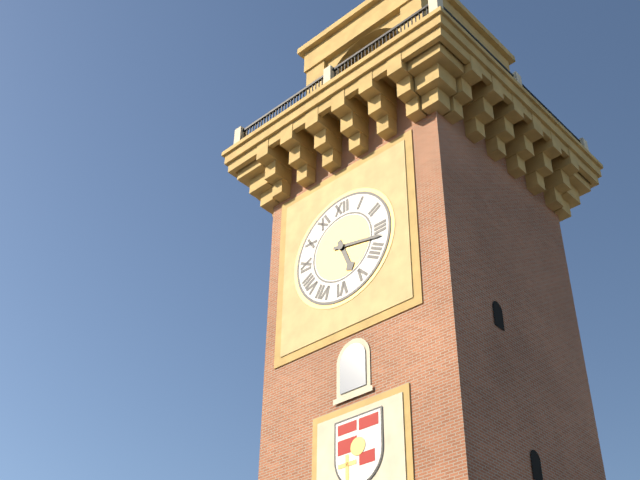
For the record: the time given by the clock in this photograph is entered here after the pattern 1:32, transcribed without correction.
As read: 5:17
